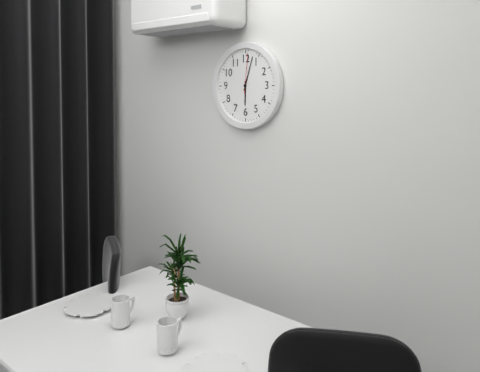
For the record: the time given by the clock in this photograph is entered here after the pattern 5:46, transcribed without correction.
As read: 6:03
